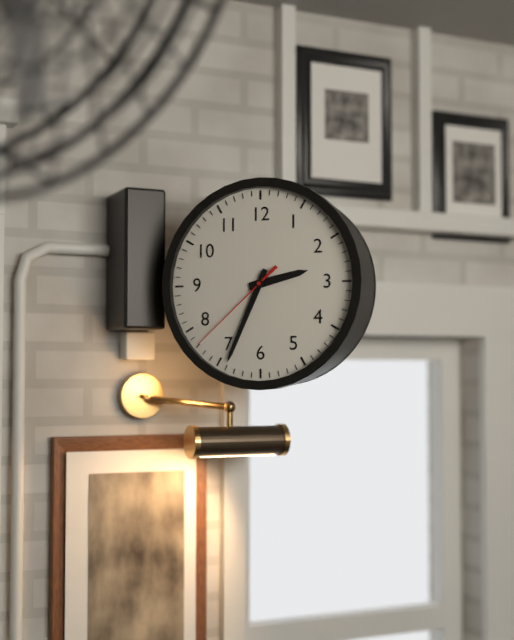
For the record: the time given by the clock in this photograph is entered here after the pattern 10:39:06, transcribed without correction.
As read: 2:34:38
